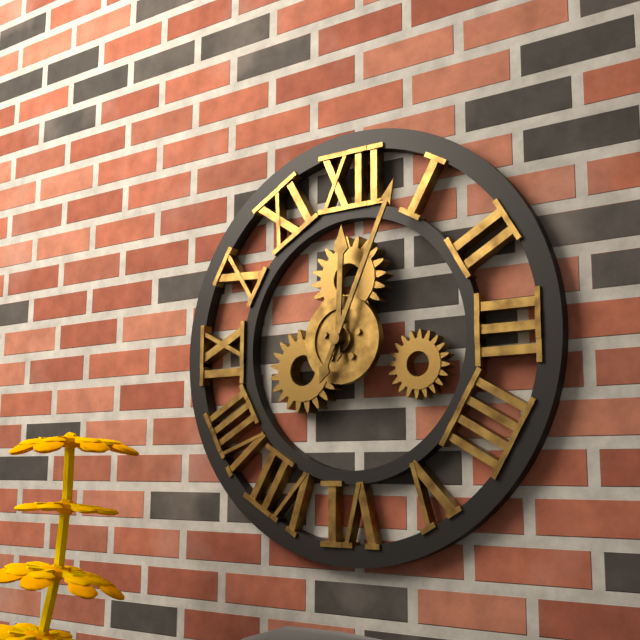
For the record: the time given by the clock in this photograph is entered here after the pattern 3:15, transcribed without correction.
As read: 12:04
